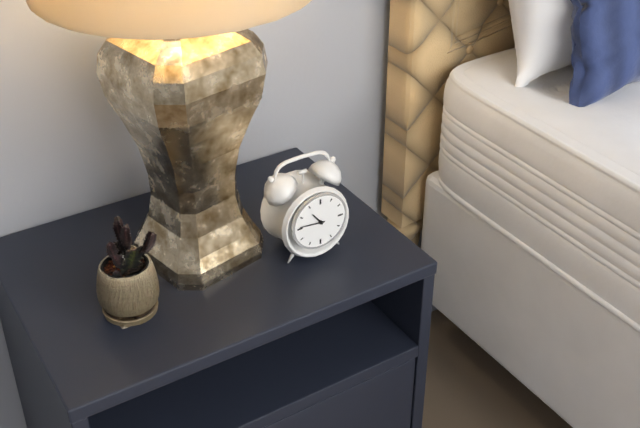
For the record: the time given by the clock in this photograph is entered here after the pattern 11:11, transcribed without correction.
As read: 10:46
